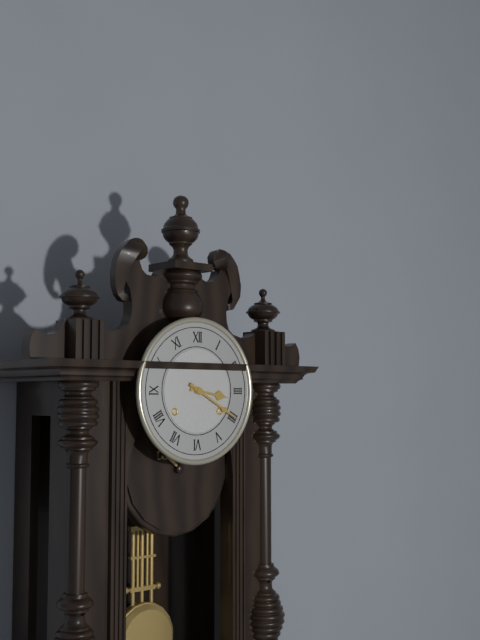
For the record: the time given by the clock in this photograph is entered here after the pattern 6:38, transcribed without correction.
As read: 3:20
